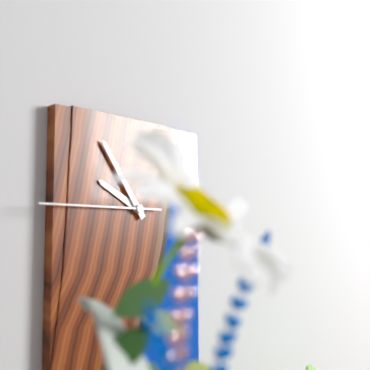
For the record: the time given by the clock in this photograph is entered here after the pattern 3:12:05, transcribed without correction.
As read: 9:54:45
